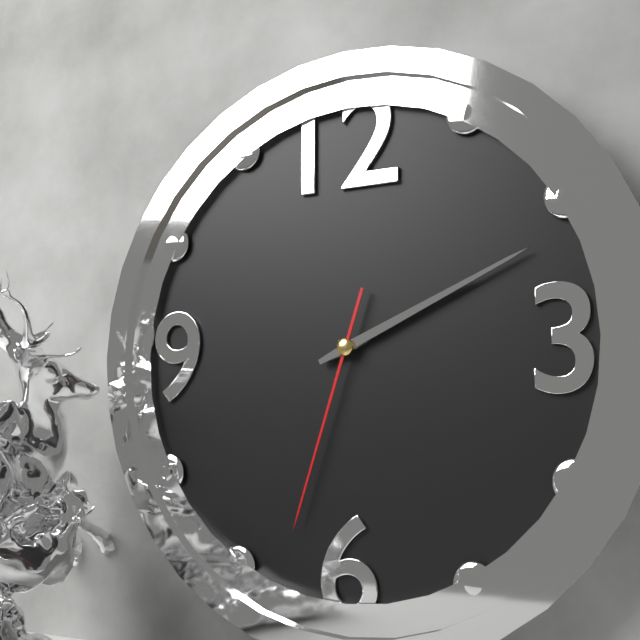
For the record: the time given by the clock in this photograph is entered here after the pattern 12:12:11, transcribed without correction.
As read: 2:11:33
